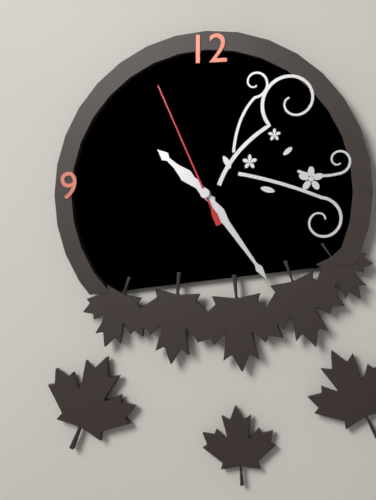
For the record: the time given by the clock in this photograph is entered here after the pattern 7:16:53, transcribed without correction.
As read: 10:24:56
